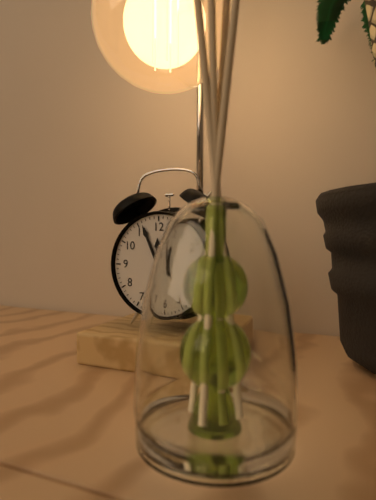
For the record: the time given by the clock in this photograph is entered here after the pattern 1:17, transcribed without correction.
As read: 11:56
